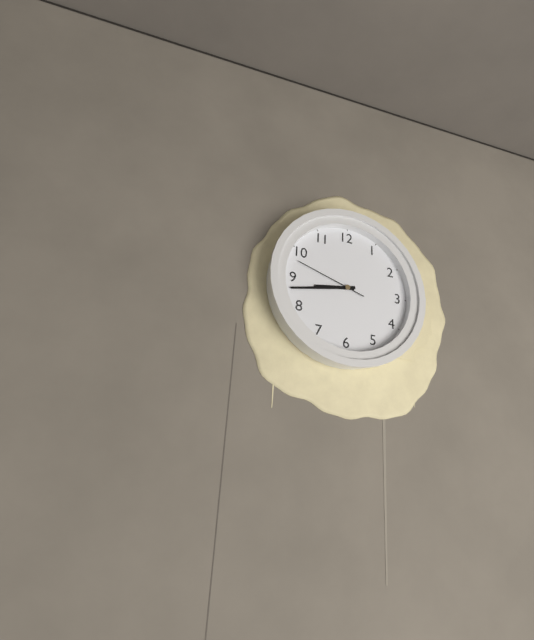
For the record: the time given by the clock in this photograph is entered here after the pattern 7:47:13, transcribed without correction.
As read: 8:43:48
